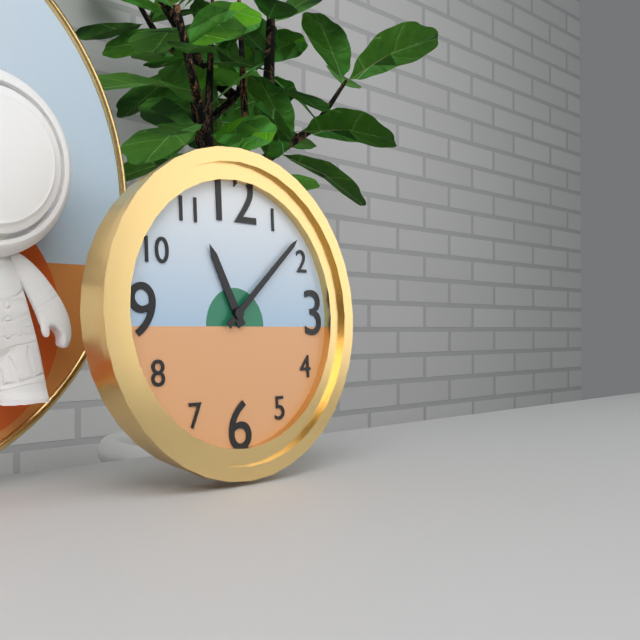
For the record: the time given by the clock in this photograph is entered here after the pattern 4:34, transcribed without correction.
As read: 11:08
